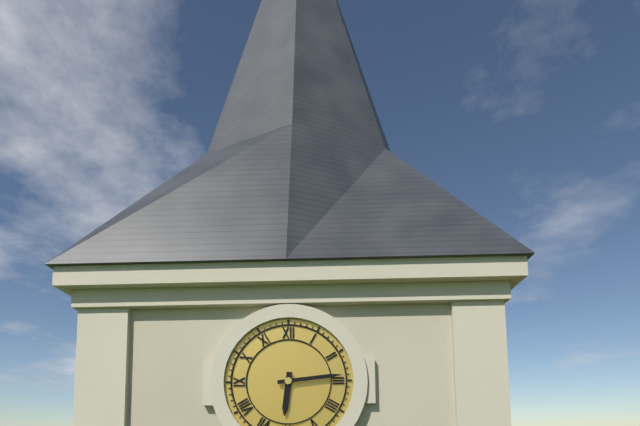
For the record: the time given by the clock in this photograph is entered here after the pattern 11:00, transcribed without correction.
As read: 6:14
